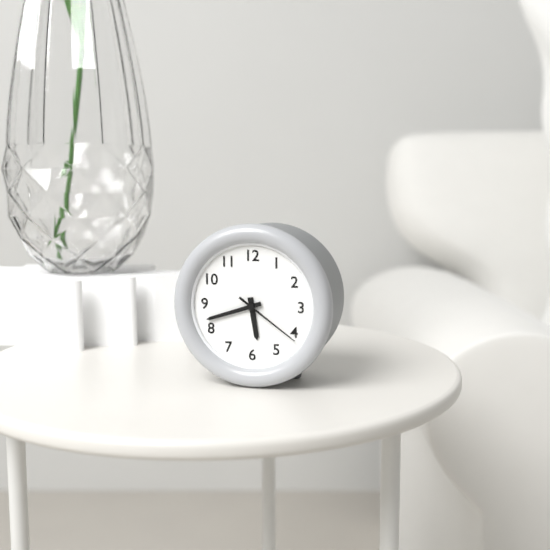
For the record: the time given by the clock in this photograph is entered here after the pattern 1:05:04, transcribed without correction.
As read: 5:42:21
